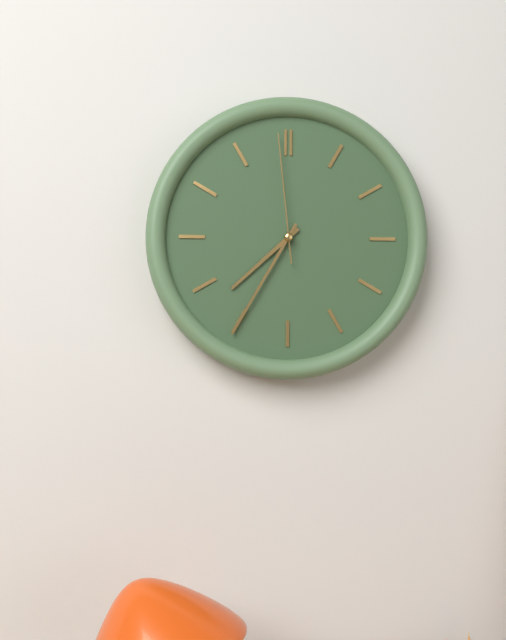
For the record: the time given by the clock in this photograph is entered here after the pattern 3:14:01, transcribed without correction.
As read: 7:35:59
